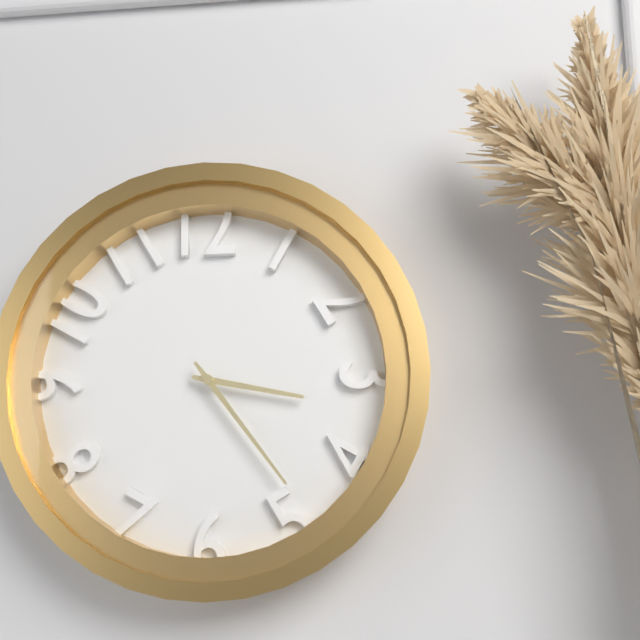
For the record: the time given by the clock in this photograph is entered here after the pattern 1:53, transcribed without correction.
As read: 3:24
